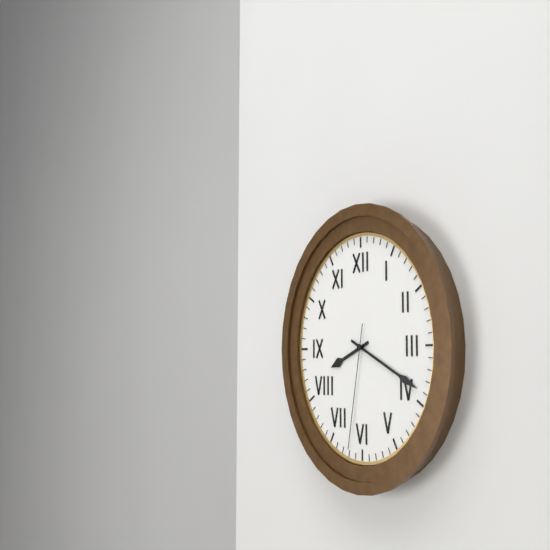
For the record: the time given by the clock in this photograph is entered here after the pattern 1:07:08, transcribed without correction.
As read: 8:19:32
